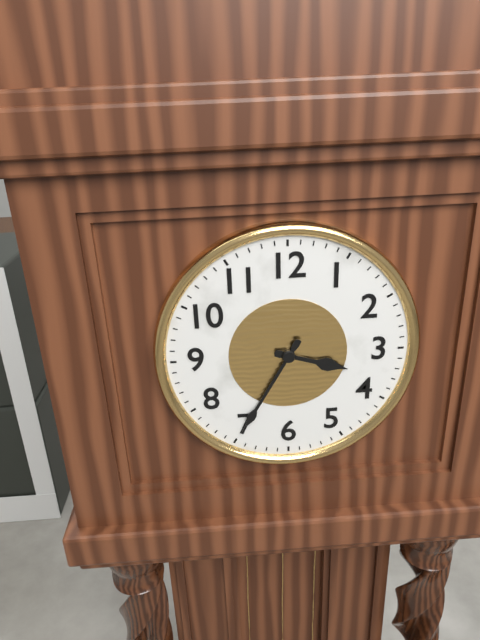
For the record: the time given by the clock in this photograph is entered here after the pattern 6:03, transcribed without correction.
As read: 3:35
